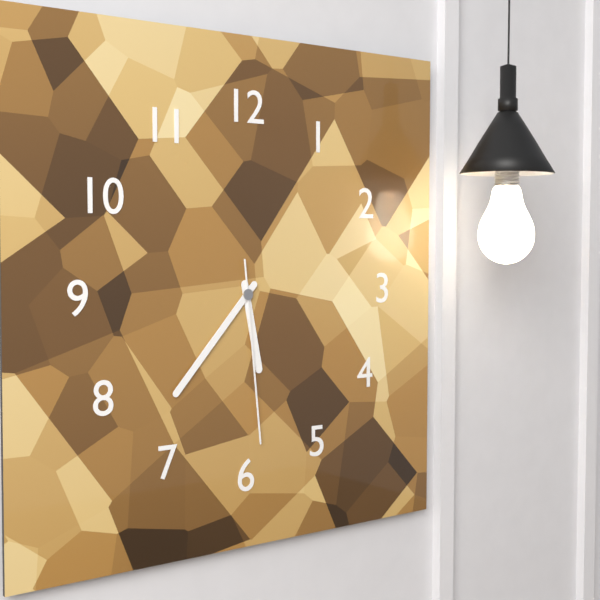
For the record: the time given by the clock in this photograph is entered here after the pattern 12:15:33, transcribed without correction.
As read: 5:37:29
